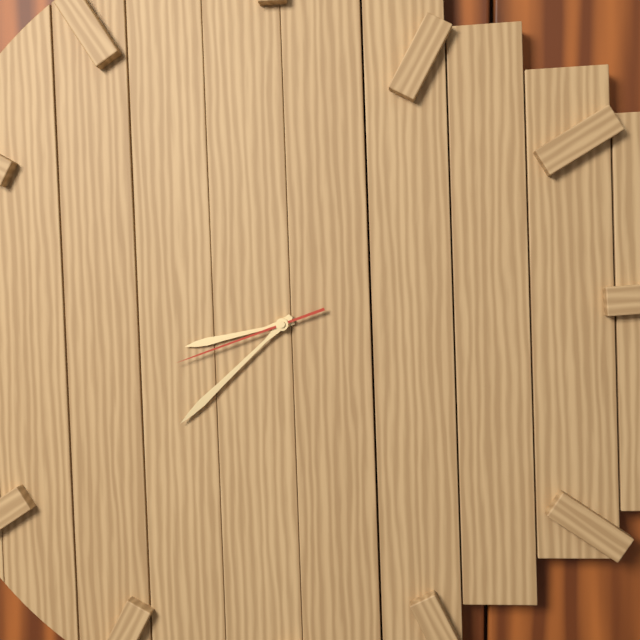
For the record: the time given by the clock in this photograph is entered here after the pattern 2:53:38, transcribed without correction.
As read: 8:38:42
